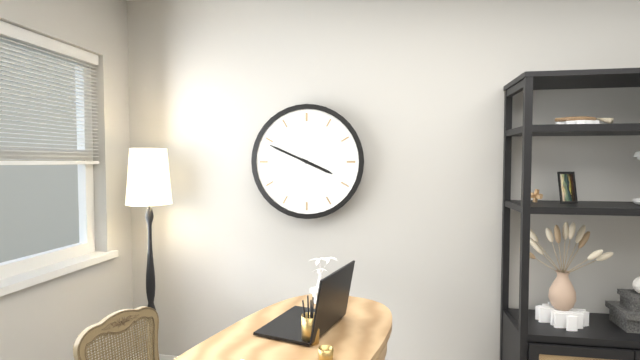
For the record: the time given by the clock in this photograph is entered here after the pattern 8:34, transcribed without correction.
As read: 3:49
